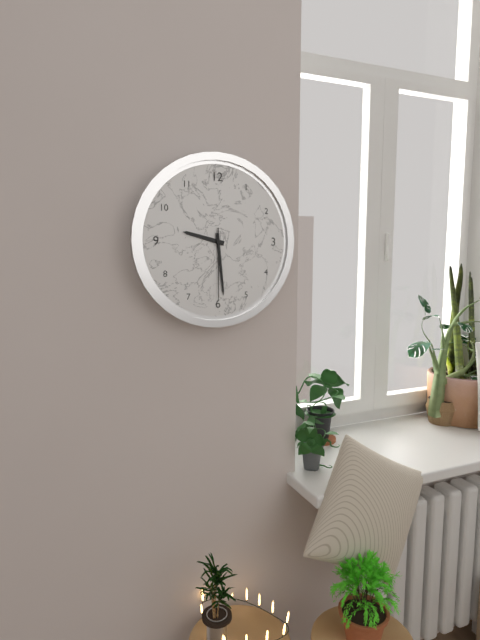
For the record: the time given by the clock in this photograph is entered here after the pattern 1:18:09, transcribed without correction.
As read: 9:29:30
